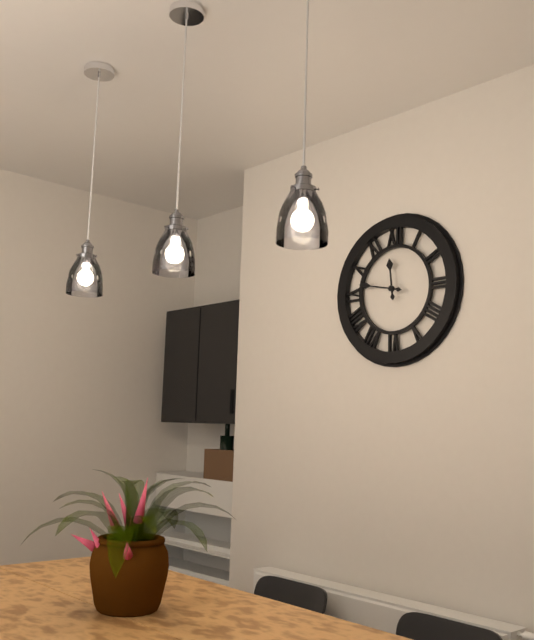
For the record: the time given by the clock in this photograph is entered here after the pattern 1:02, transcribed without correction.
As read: 11:47
